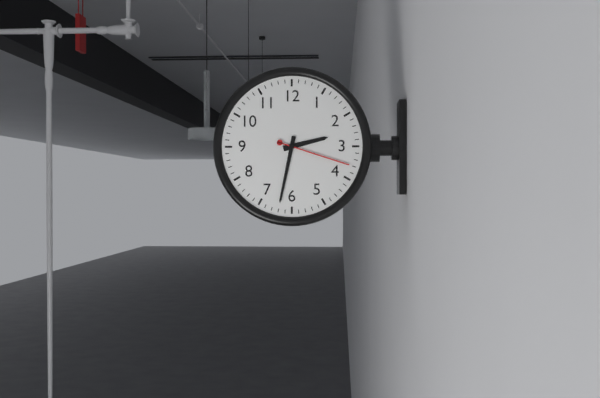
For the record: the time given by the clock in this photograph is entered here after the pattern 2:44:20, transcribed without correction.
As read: 2:32:18
